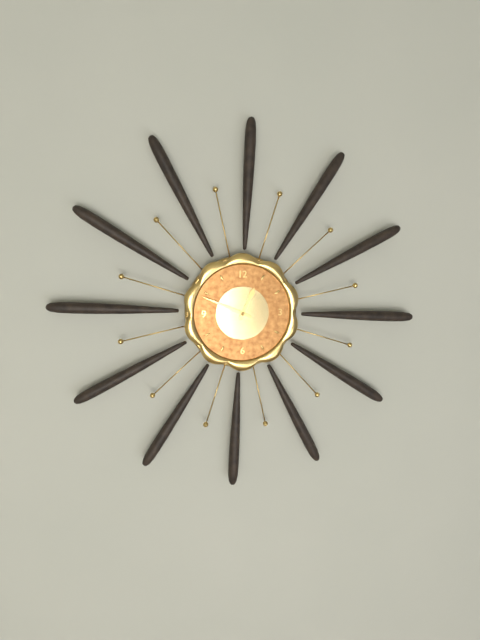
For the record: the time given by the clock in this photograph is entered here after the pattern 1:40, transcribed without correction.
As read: 12:49
